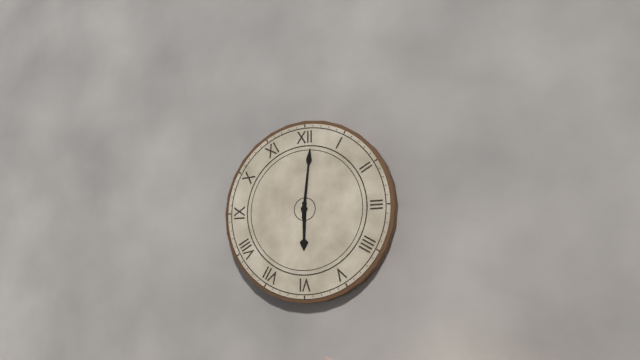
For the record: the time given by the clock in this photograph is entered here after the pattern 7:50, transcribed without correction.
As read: 6:01
